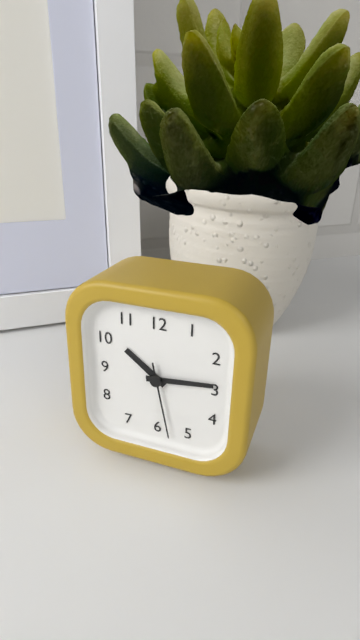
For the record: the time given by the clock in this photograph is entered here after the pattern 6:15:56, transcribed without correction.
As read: 10:14:28
